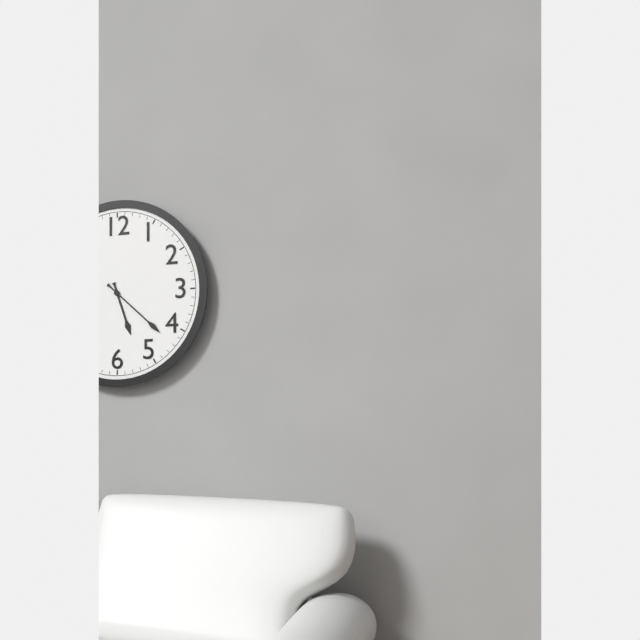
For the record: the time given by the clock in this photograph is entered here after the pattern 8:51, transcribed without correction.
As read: 5:22
